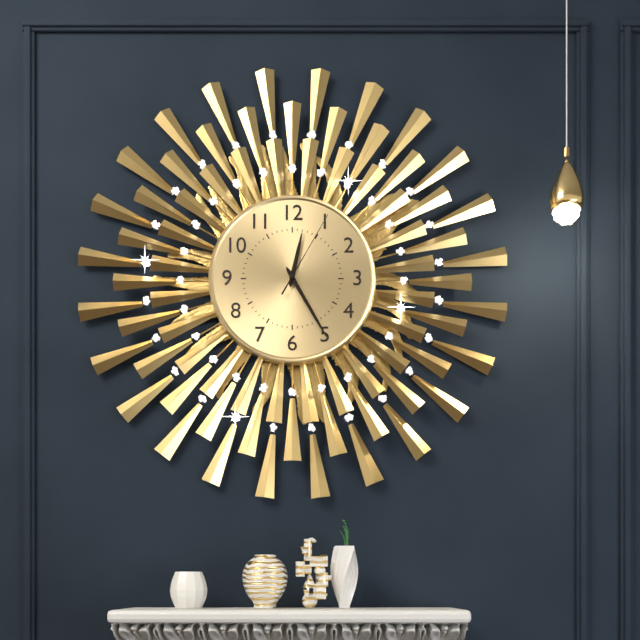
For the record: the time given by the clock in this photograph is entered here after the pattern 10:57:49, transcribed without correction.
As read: 12:25:05
